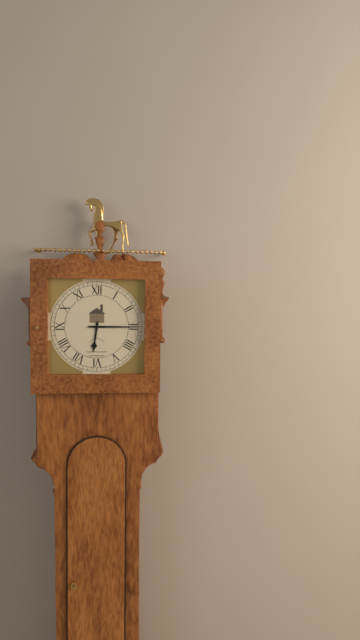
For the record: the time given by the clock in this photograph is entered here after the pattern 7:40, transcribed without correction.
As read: 6:15
